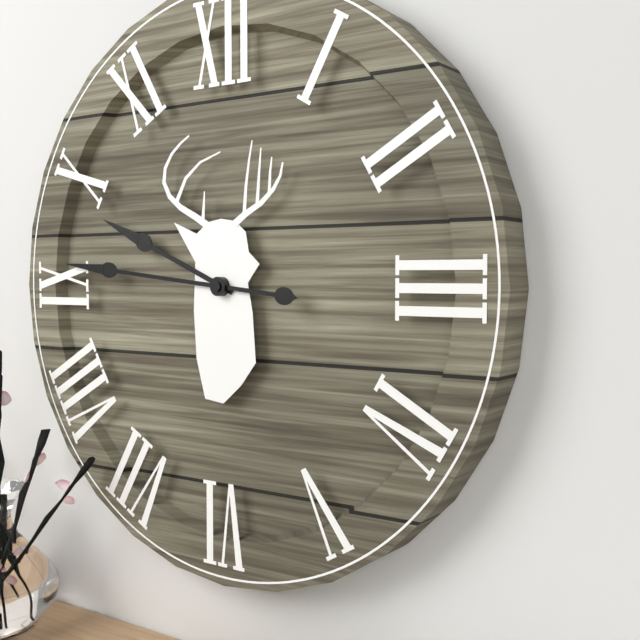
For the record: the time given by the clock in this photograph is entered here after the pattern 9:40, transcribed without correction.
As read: 9:46
